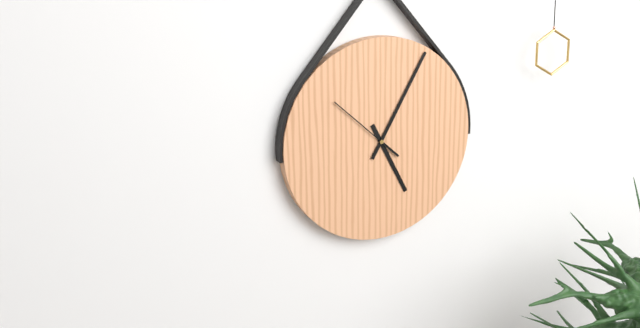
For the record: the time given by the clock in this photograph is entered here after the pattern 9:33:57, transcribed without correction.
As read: 5:05:52
